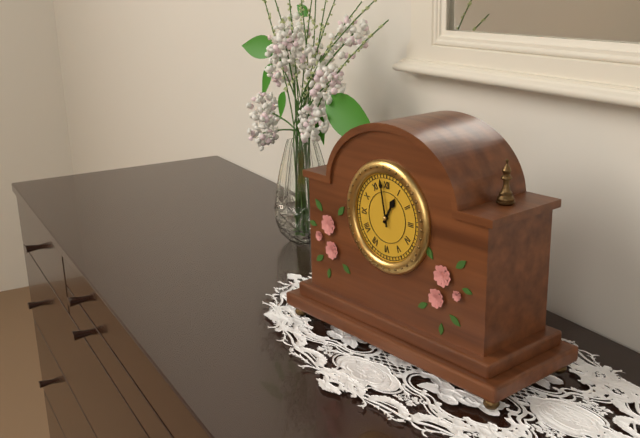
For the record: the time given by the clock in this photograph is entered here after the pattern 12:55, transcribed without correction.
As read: 12:58
